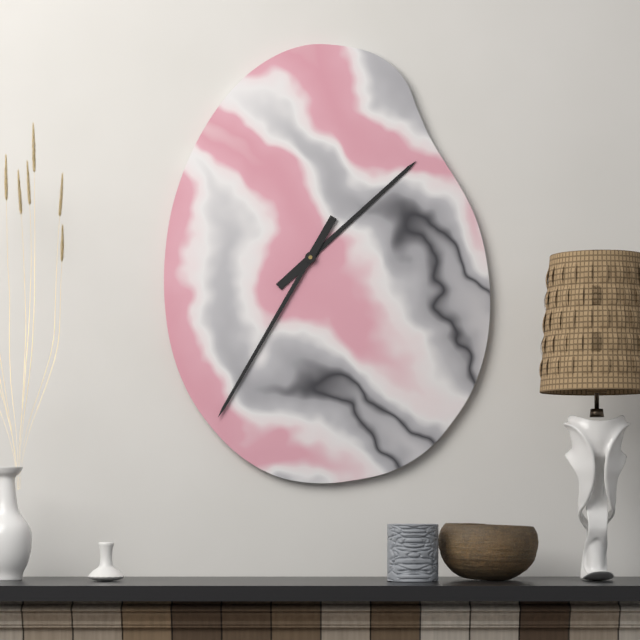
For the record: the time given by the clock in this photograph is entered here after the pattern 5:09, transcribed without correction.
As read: 1:35
